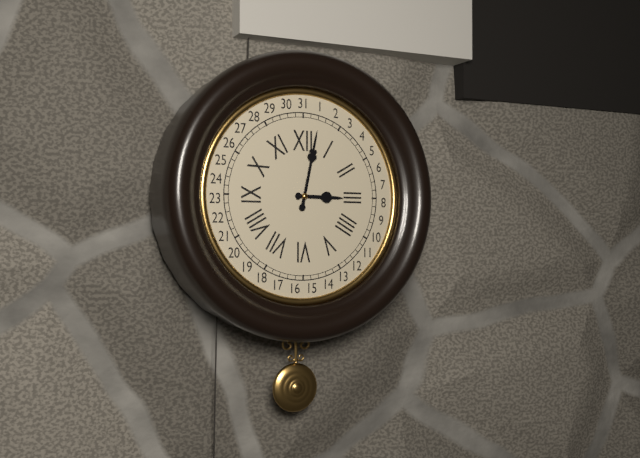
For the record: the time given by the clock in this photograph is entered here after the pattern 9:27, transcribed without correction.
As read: 3:02
